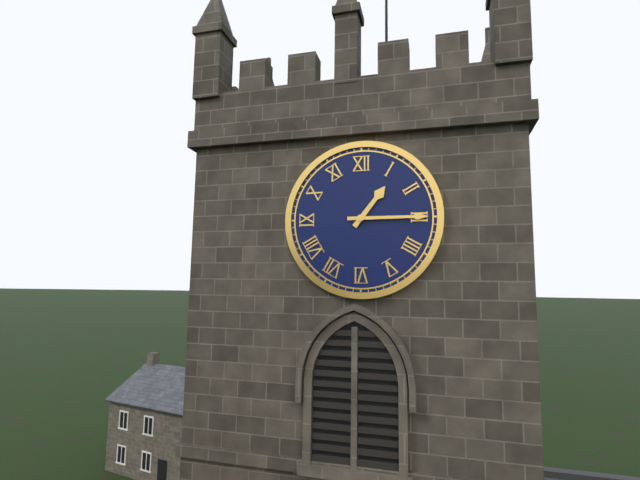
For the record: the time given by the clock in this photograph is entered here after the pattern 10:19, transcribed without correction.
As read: 1:15
